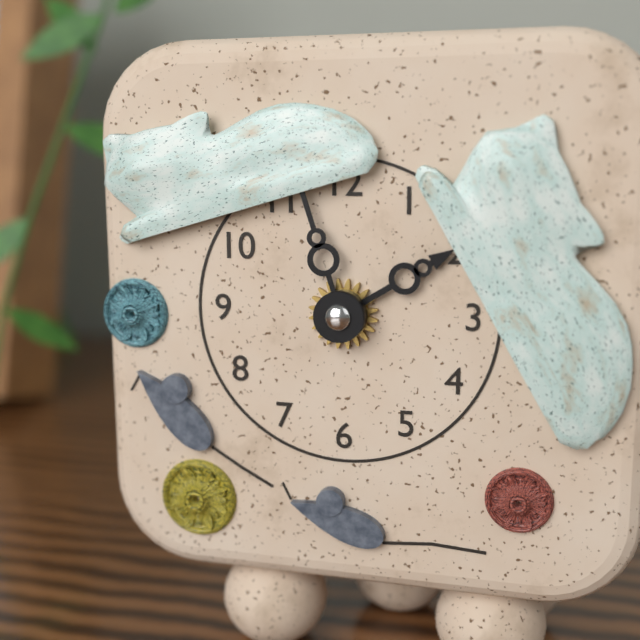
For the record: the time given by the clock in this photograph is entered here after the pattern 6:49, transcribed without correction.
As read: 1:57
